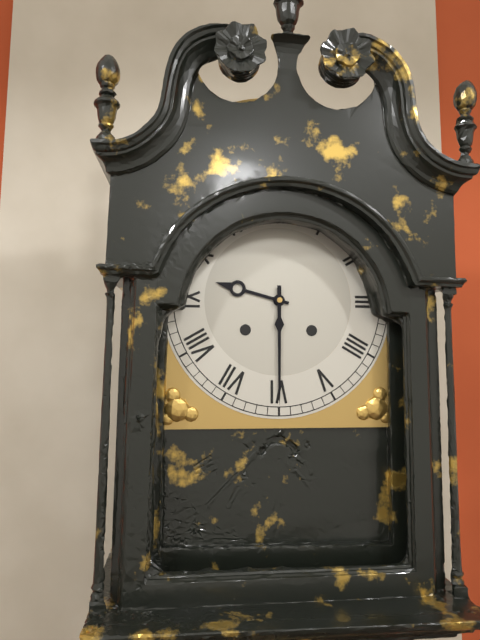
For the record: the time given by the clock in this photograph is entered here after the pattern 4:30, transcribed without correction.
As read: 9:30
